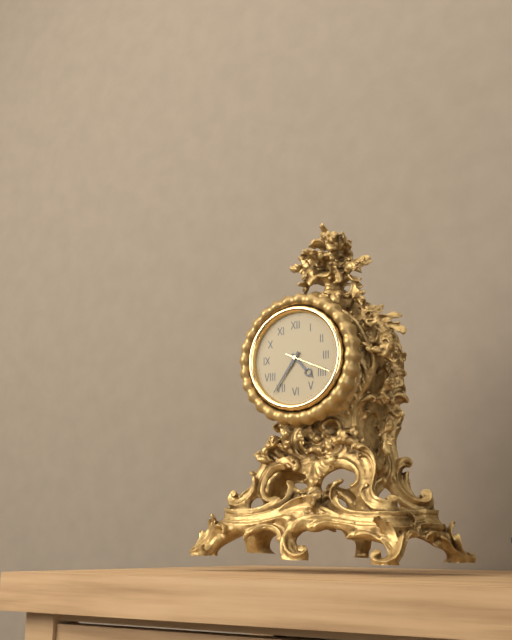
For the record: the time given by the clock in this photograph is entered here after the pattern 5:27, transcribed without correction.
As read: 4:36
